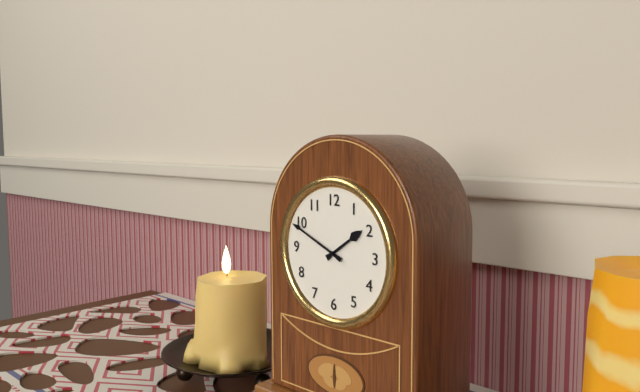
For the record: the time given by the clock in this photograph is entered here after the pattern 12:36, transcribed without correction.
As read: 1:49
